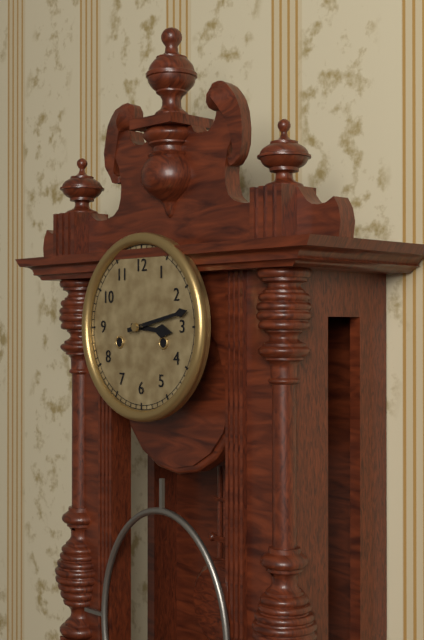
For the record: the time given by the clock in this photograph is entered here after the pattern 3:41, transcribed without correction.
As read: 3:13
